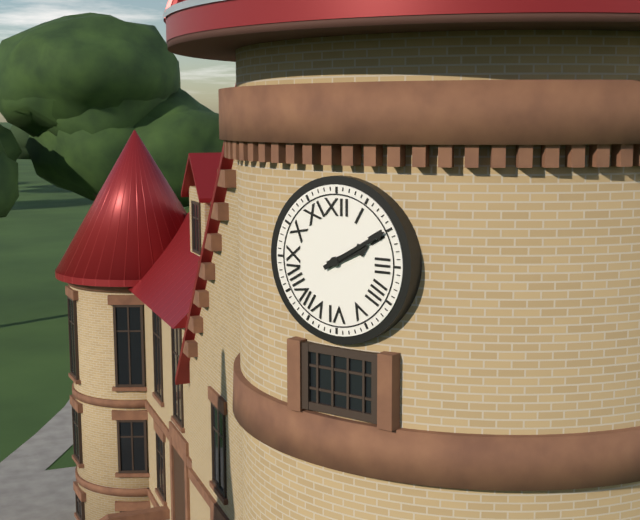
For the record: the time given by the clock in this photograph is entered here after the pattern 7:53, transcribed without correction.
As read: 2:10
